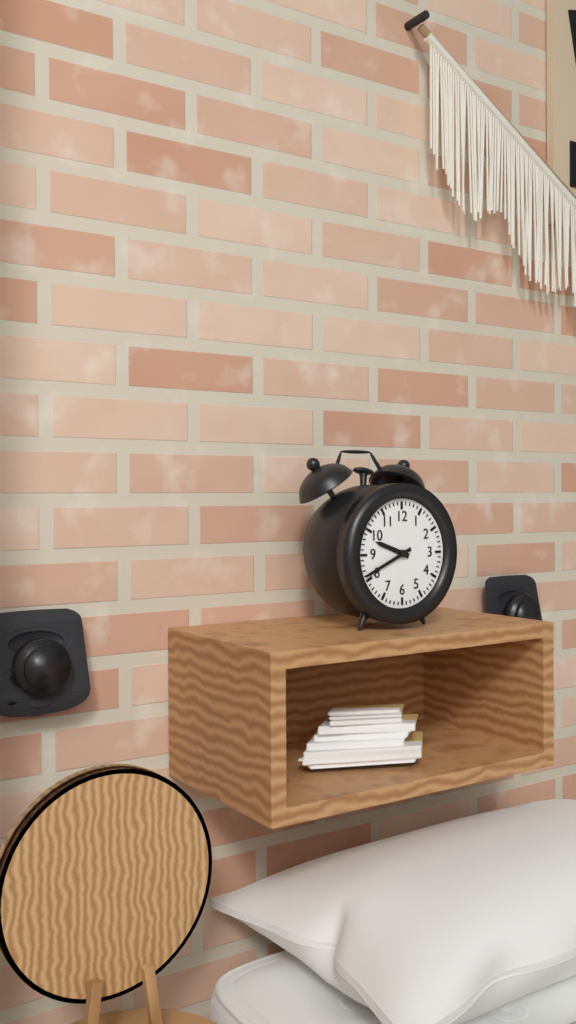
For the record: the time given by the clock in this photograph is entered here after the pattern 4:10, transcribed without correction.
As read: 9:41
